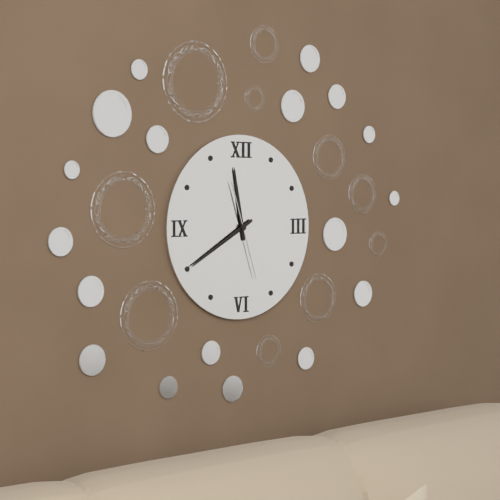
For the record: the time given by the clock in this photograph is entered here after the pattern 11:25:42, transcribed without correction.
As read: 11:40:27
